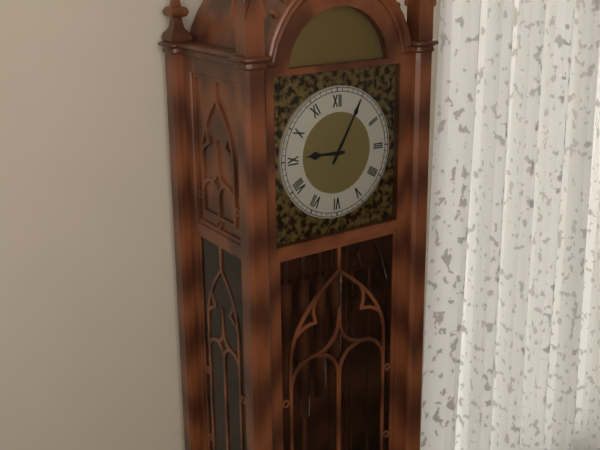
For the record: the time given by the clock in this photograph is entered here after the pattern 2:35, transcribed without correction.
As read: 9:05
